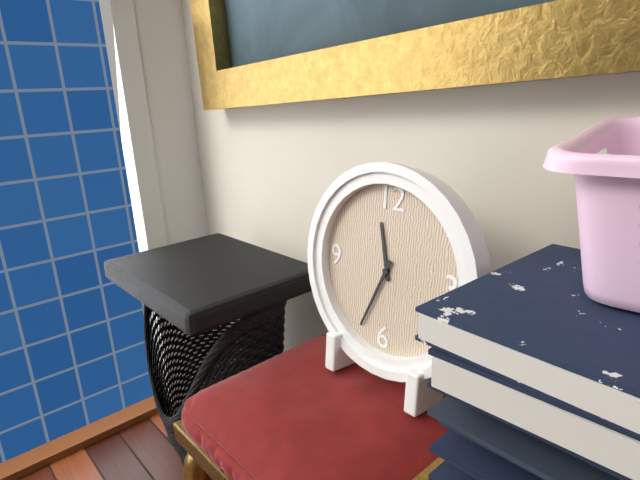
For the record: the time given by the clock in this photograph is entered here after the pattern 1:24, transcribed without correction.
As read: 11:34
